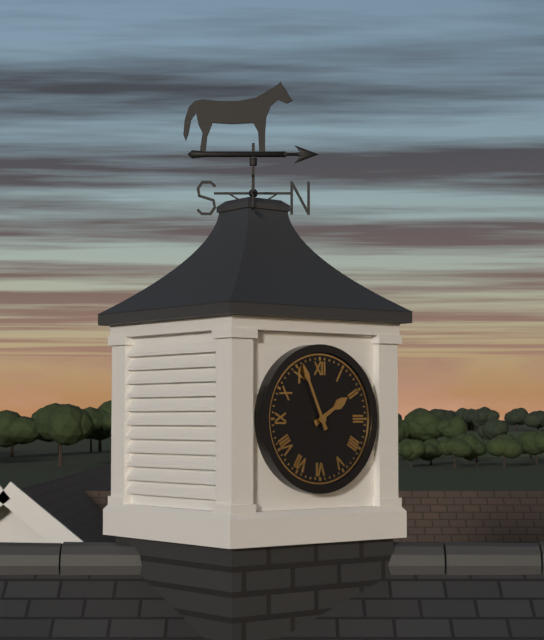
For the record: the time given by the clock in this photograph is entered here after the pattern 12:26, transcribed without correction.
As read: 1:56
